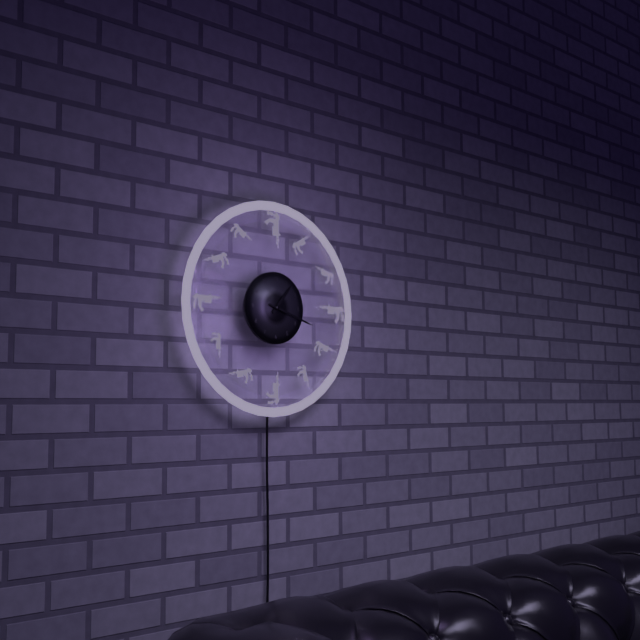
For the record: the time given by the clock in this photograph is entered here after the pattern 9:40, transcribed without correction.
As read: 1:18
